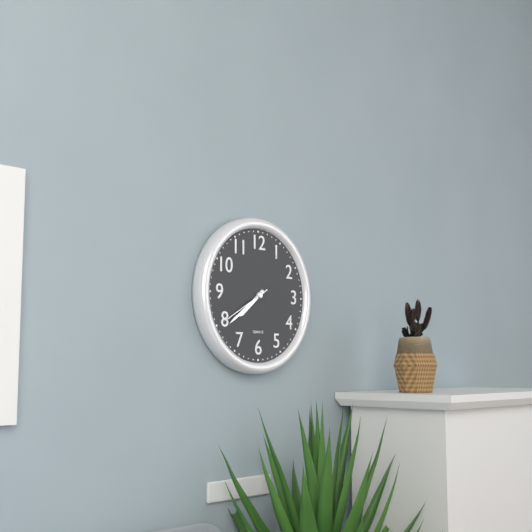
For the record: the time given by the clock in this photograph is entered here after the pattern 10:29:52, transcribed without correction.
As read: 7:39:40
